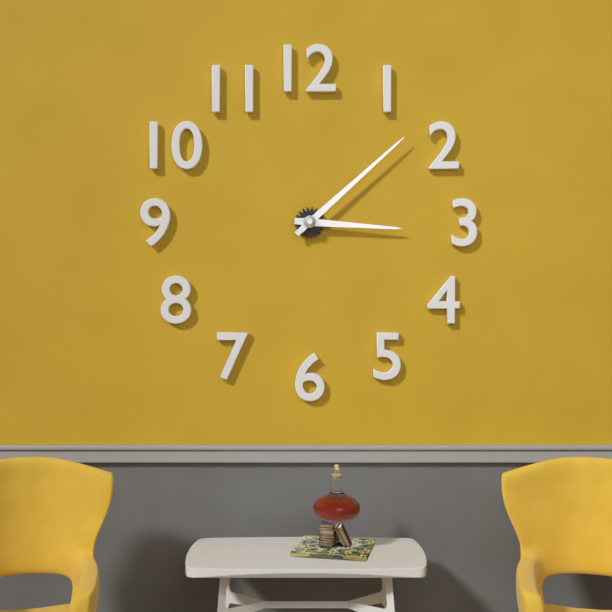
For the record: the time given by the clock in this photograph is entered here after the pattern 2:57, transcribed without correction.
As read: 3:08
